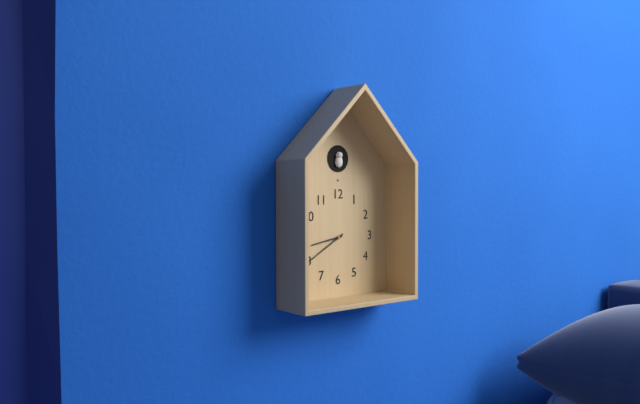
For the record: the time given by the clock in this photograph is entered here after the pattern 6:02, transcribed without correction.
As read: 8:40
